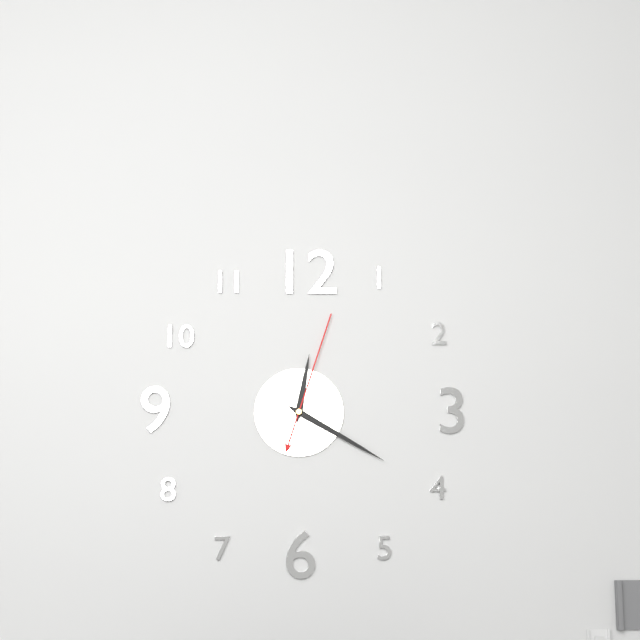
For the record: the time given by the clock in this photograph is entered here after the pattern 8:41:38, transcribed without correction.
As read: 12:20:03
